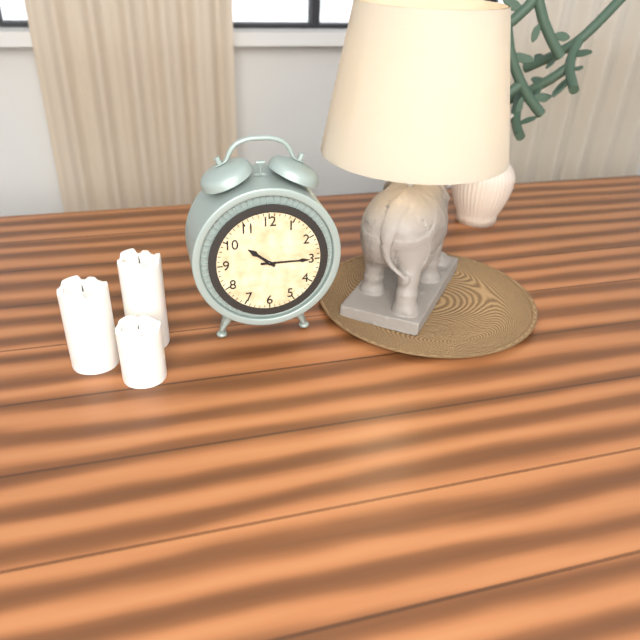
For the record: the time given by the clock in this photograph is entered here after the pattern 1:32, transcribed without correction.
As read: 10:15
